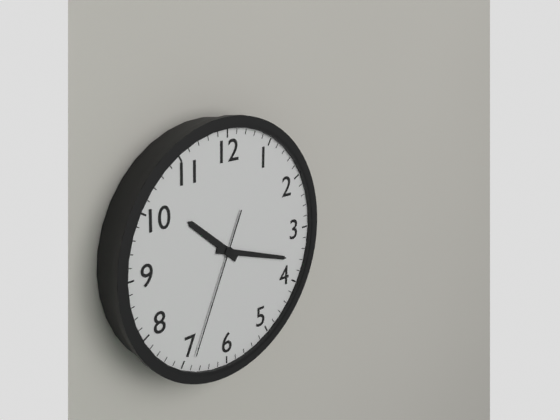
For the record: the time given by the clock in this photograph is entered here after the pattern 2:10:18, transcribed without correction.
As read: 10:18:34
